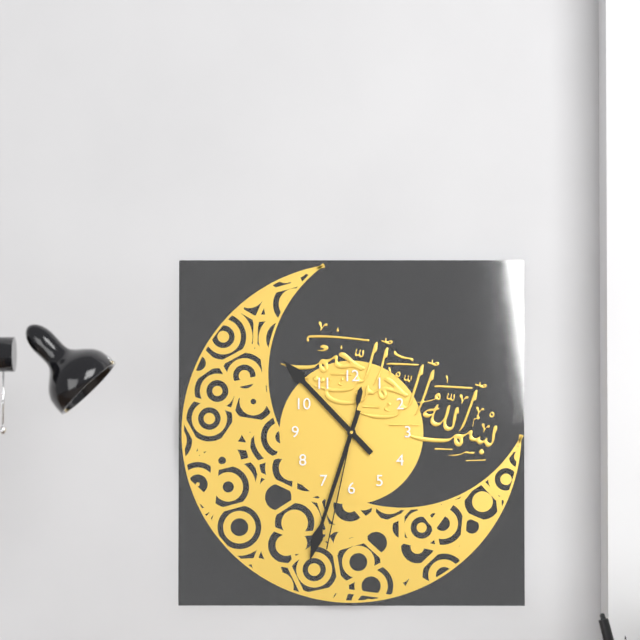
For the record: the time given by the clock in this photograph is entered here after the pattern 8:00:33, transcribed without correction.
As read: 10:33:32
